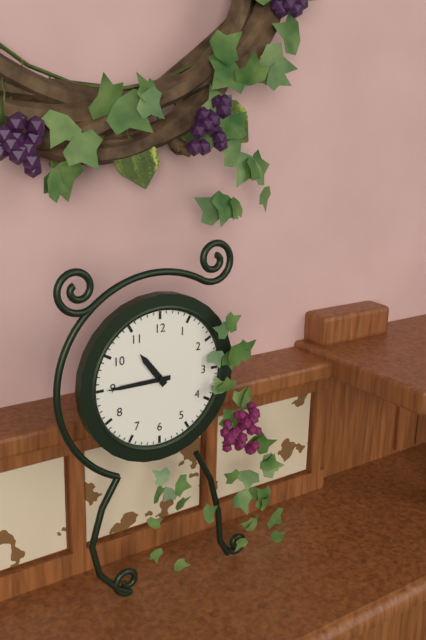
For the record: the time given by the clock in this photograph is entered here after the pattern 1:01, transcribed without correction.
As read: 10:45
